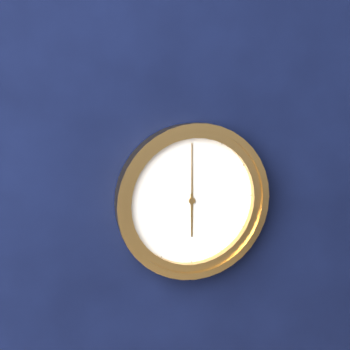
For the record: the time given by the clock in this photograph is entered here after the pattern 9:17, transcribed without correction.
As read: 6:00
